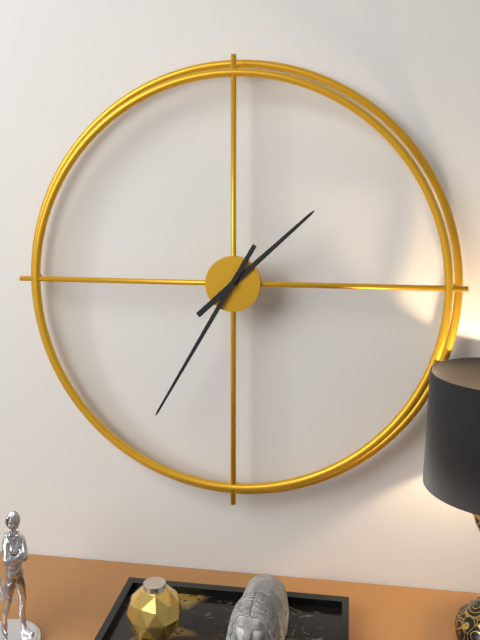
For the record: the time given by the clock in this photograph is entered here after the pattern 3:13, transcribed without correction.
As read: 1:35
